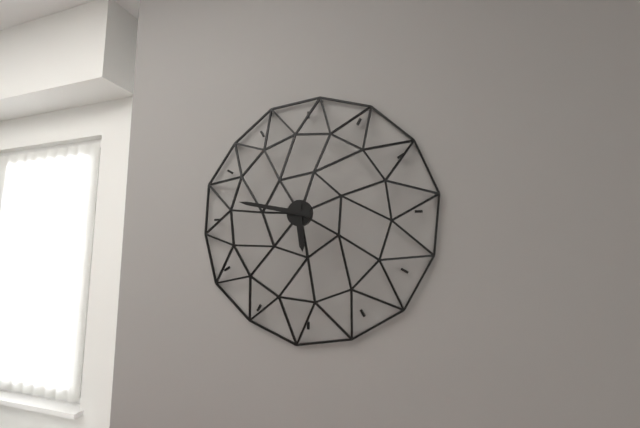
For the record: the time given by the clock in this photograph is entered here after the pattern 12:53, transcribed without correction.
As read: 5:47
